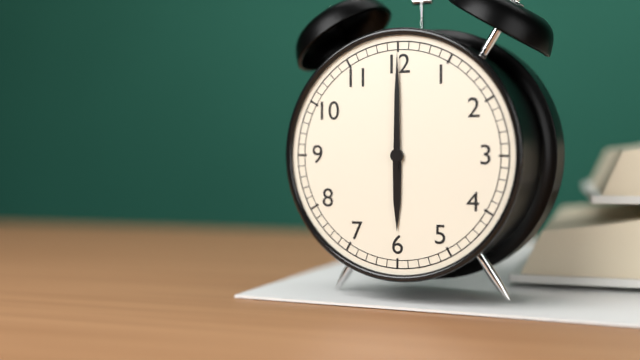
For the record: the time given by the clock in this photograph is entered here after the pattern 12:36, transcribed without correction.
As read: 6:00
